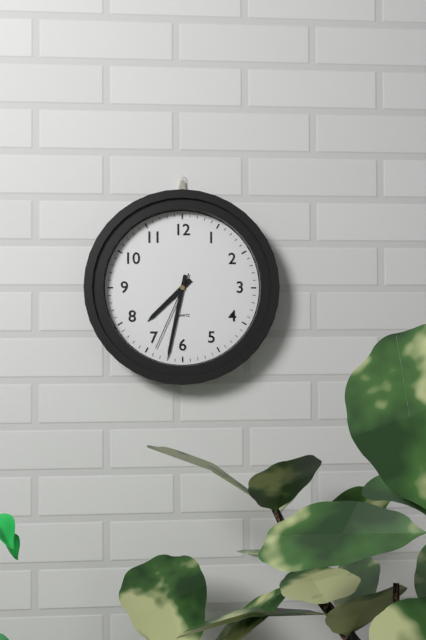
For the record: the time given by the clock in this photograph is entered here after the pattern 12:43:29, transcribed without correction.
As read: 7:32:34
